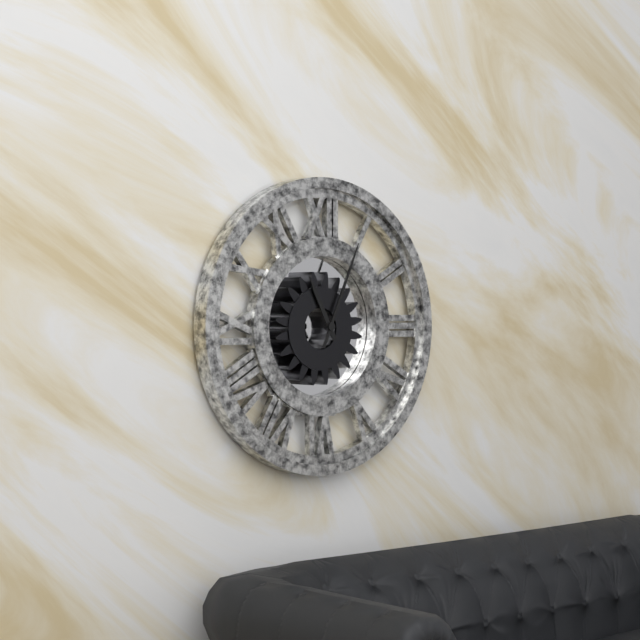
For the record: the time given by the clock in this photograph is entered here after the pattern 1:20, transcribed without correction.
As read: 11:04
